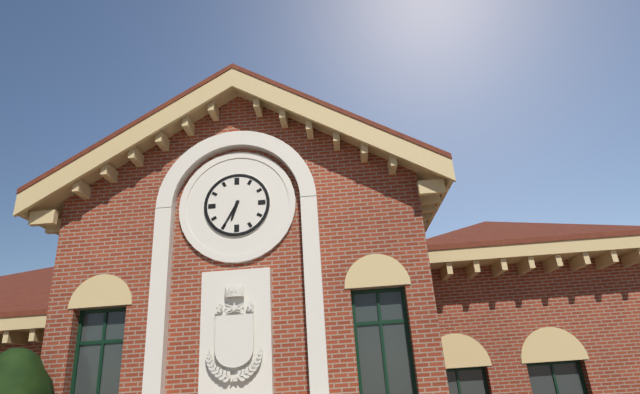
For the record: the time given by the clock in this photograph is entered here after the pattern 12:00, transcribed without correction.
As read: 6:35
